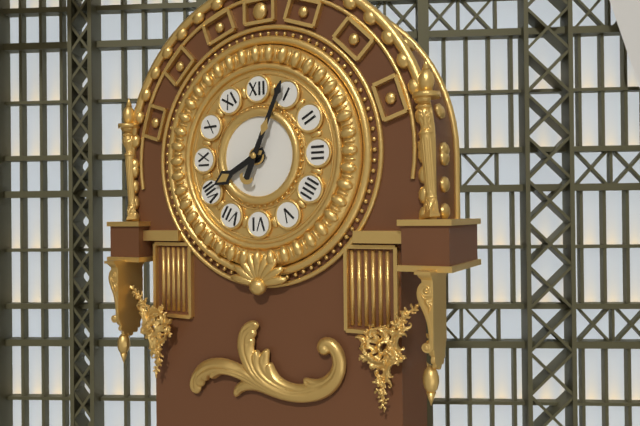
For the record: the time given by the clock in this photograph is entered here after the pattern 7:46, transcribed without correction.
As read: 8:04
